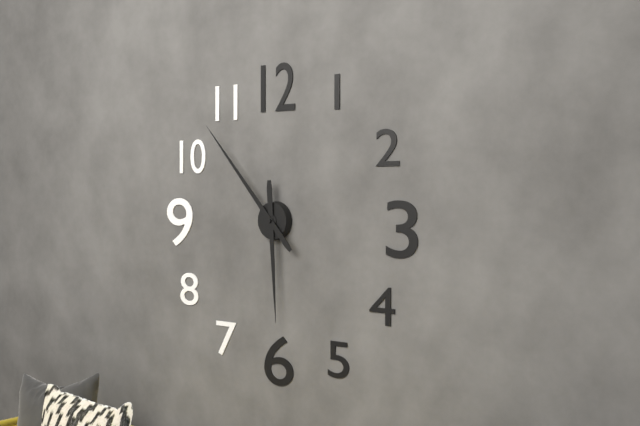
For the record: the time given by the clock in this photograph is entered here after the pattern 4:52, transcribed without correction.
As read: 5:53
